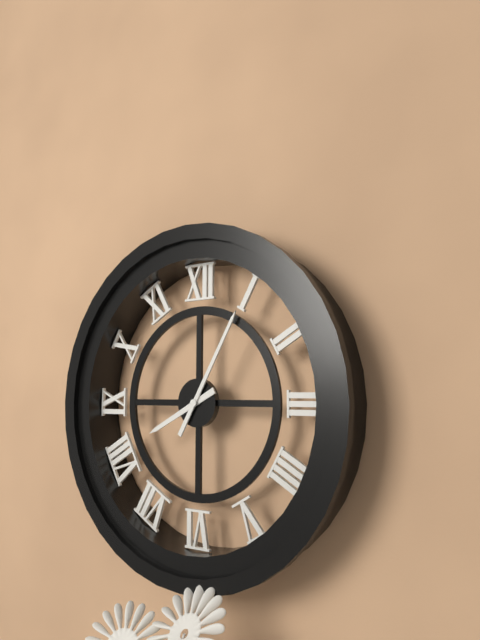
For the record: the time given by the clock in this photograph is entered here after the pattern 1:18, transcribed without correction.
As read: 8:05
